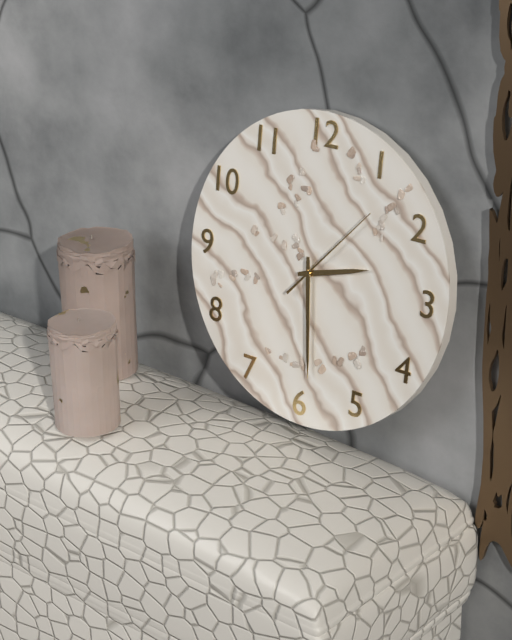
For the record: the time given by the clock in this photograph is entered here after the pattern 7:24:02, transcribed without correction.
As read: 2:29:07
